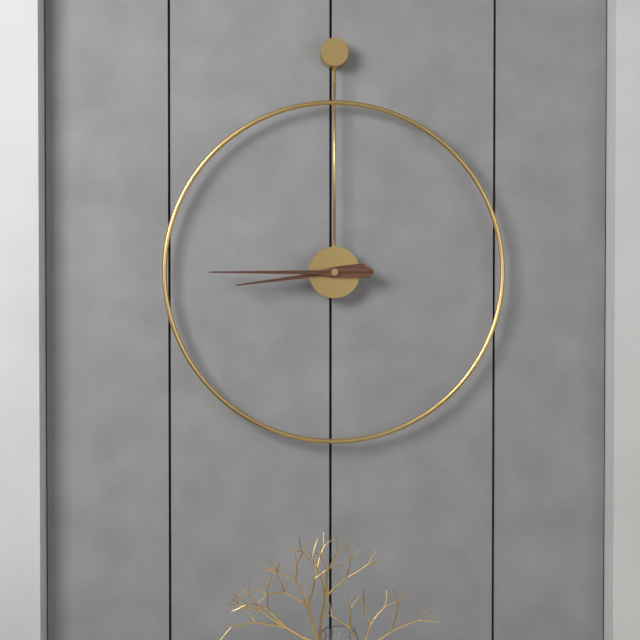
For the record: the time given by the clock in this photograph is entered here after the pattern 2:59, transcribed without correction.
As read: 8:45
